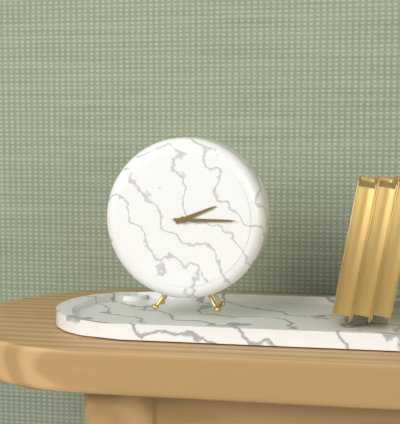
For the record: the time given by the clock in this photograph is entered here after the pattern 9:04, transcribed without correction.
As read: 2:15
